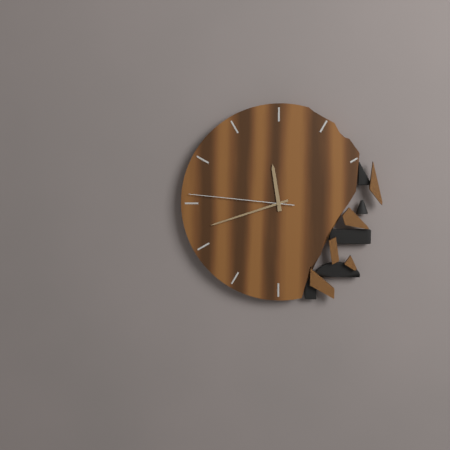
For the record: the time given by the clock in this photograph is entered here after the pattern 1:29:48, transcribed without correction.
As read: 11:42:46
